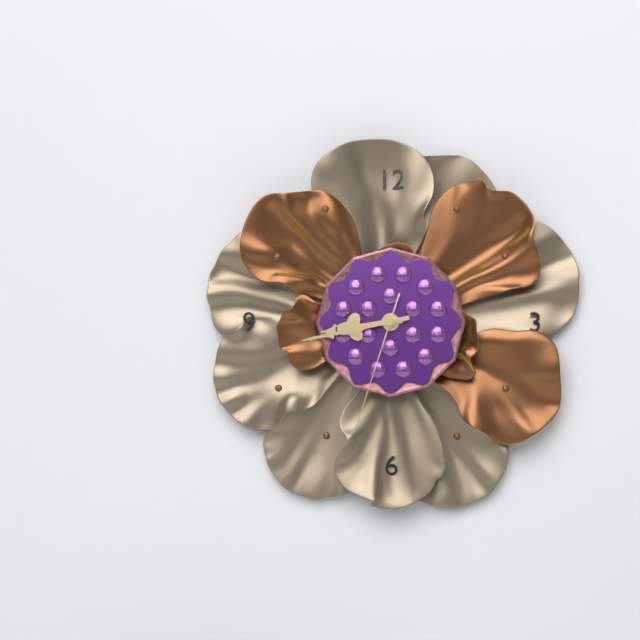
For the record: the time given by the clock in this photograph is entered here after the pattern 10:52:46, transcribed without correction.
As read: 8:43:33
